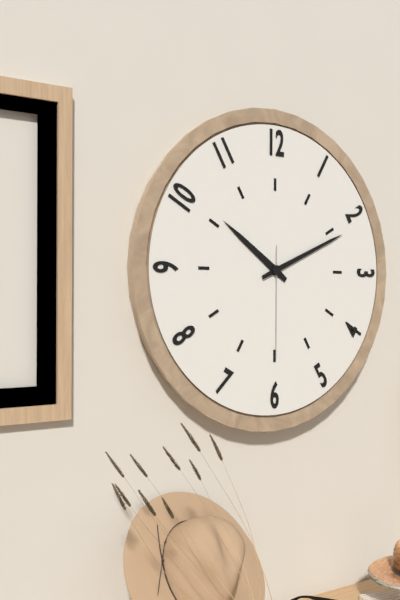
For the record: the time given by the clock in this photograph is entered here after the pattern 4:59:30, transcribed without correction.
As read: 10:11:30
